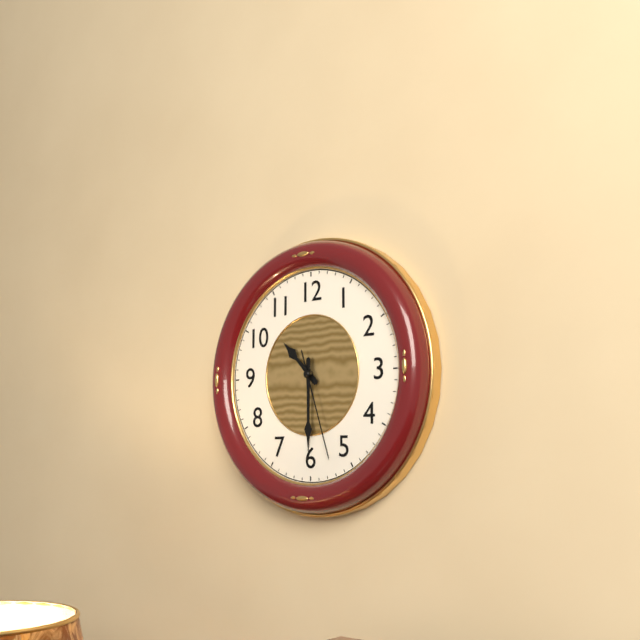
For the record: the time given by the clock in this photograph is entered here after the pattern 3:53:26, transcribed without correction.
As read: 10:30:27
